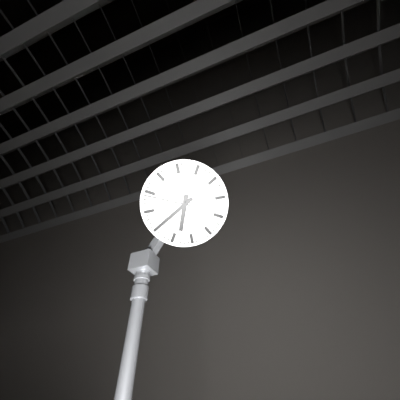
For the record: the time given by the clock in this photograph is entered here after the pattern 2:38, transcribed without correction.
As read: 6:40
